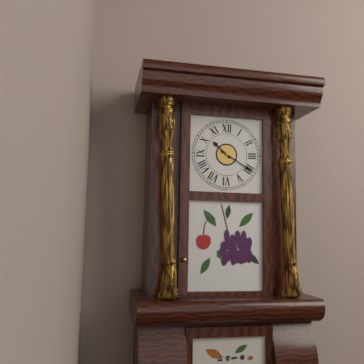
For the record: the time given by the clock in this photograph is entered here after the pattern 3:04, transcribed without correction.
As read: 10:20
